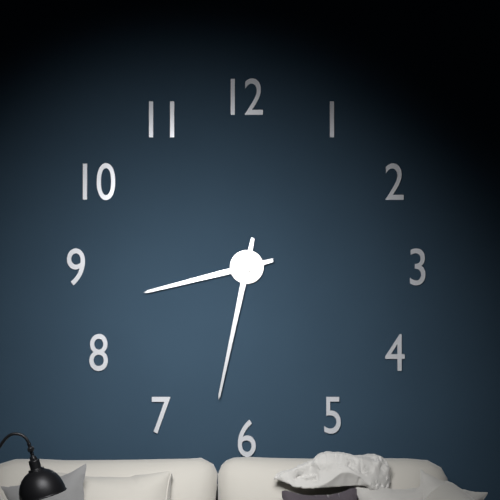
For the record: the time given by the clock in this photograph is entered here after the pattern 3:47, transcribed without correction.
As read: 8:32
